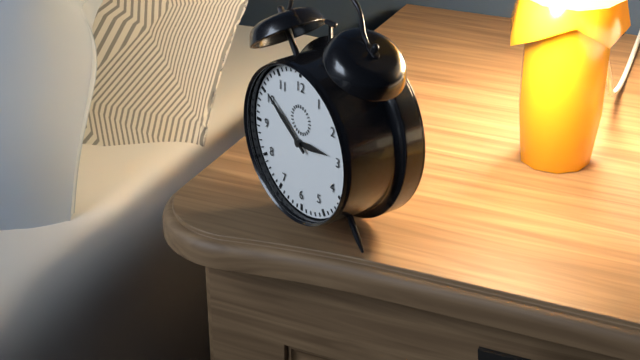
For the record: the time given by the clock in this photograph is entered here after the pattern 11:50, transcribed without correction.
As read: 2:51
